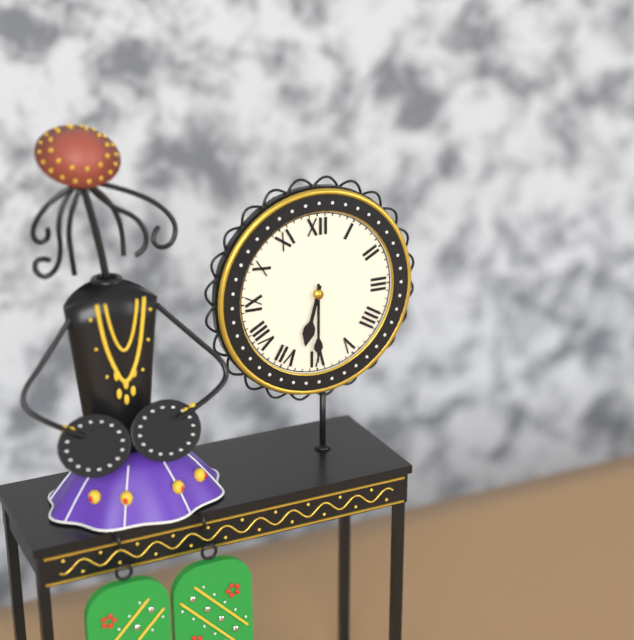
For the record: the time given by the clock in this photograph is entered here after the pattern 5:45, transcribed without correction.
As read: 6:30
